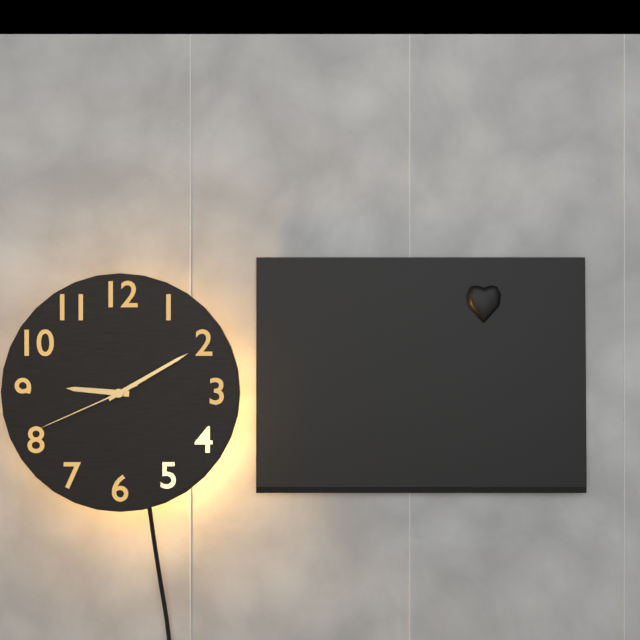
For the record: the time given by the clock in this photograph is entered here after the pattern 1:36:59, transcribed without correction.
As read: 9:10:41
